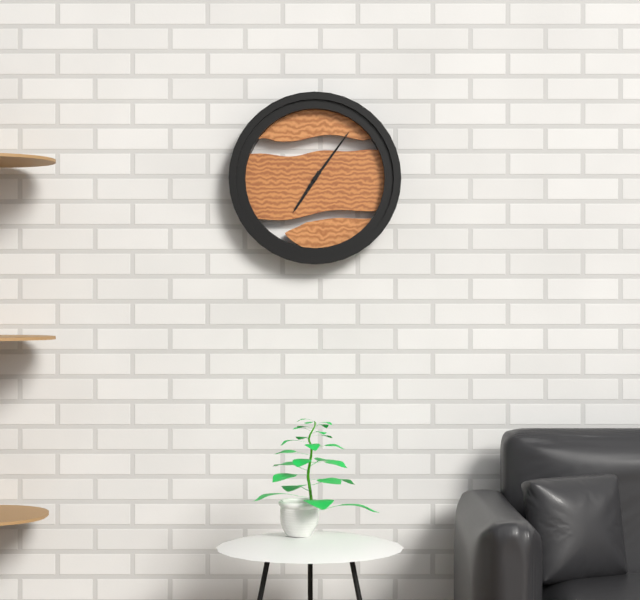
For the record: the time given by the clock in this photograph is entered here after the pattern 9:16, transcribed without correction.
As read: 7:06
